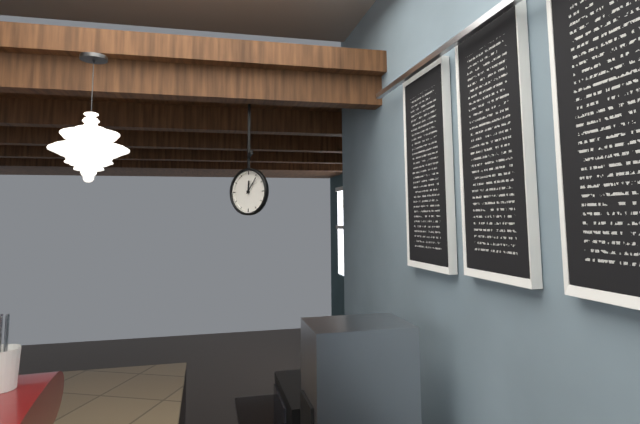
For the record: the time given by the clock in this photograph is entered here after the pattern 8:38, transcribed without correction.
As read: 12:06
